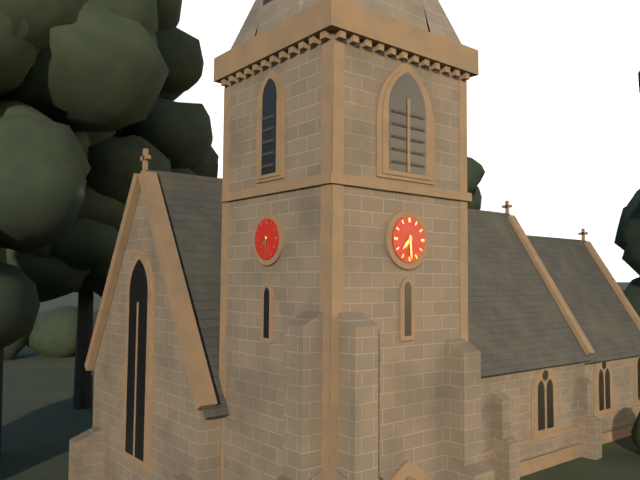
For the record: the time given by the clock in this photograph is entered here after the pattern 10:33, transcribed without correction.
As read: 7:29
